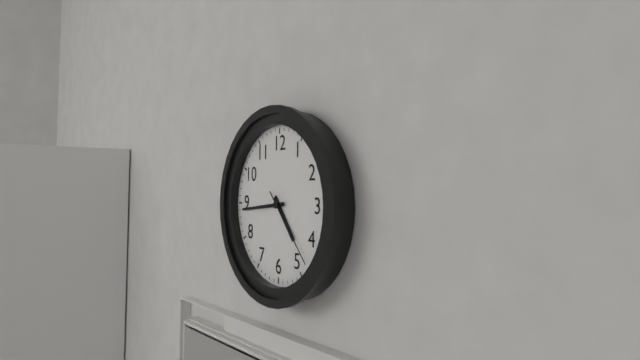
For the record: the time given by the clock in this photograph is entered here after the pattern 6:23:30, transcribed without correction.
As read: 4:44:23
